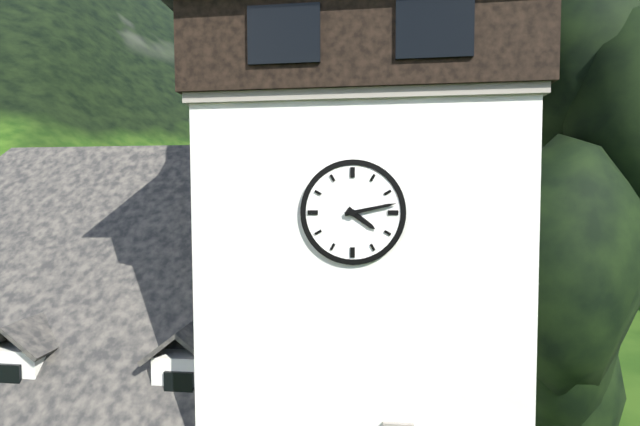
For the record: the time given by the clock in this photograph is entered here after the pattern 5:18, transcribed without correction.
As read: 4:13
